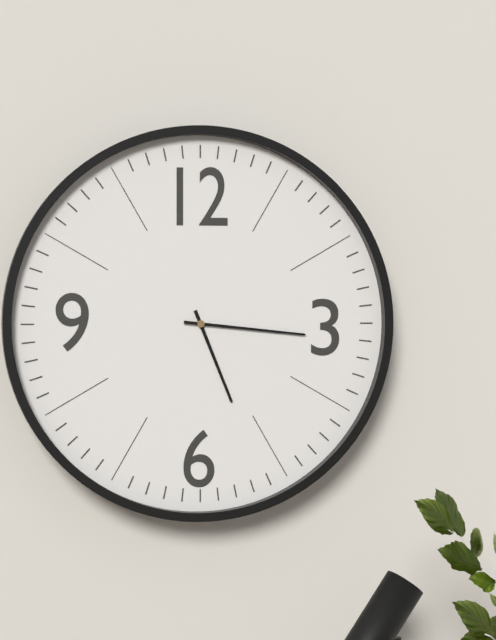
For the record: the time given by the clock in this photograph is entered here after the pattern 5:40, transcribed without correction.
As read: 5:16
